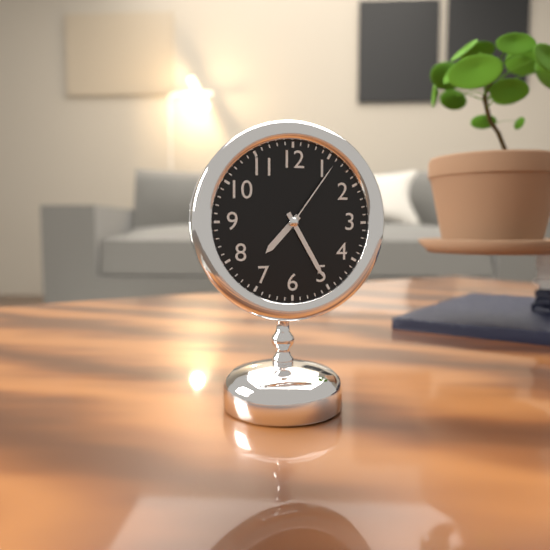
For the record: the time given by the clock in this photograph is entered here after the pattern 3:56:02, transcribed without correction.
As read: 7:25:06
